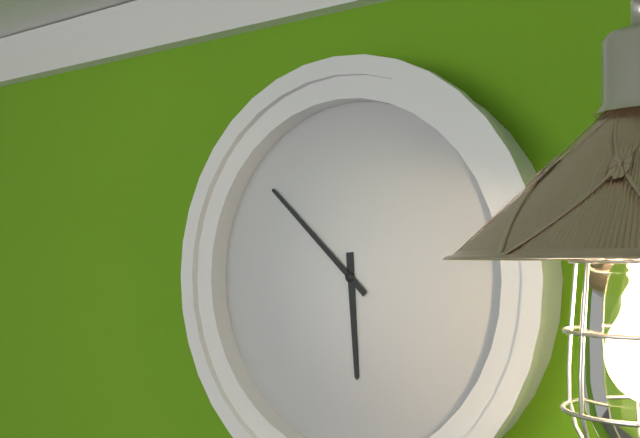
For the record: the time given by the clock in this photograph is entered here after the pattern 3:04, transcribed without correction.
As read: 5:52
